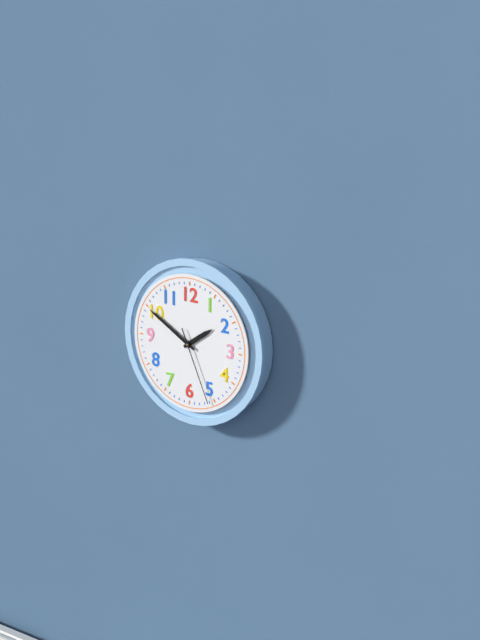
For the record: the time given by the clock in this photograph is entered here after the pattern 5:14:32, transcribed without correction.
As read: 1:50:26
